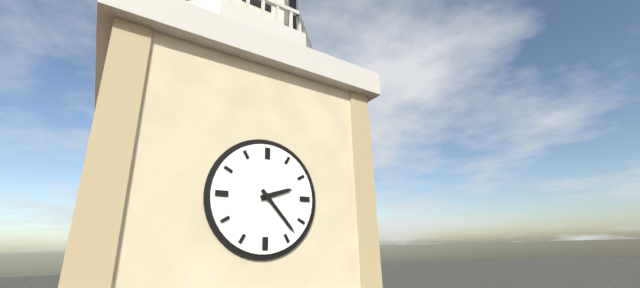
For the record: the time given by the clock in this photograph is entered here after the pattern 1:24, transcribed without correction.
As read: 2:23
